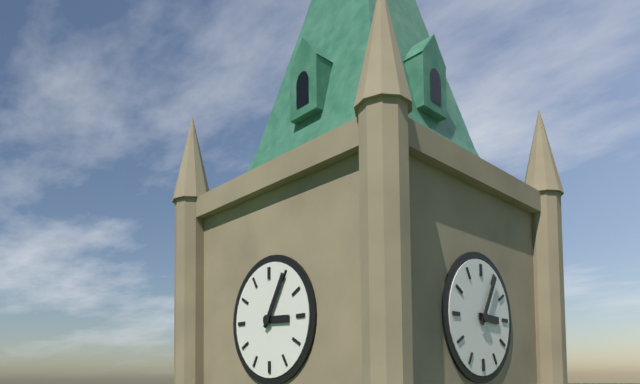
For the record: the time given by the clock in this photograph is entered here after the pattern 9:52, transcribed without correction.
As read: 3:05
